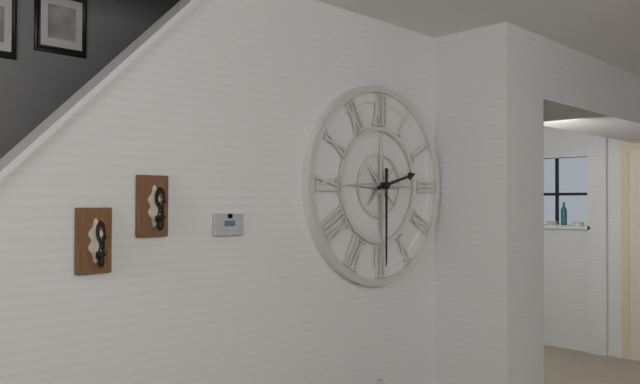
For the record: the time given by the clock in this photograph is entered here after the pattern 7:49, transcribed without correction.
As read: 2:30
